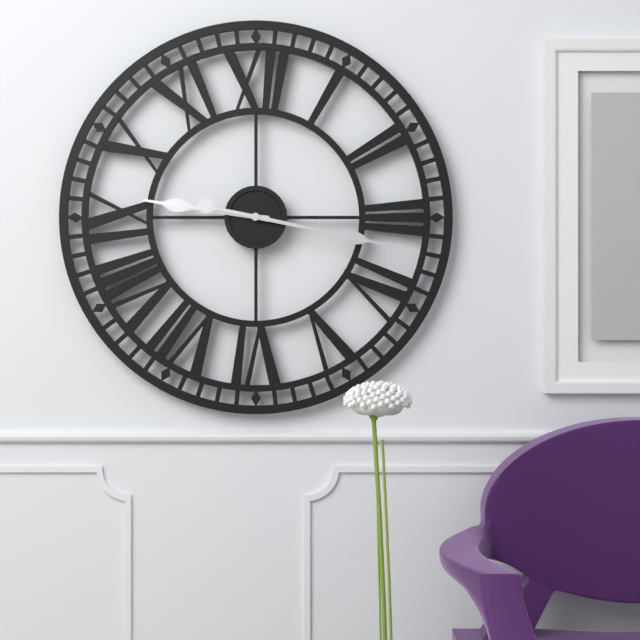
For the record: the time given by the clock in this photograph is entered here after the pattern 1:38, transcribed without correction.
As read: 9:17
